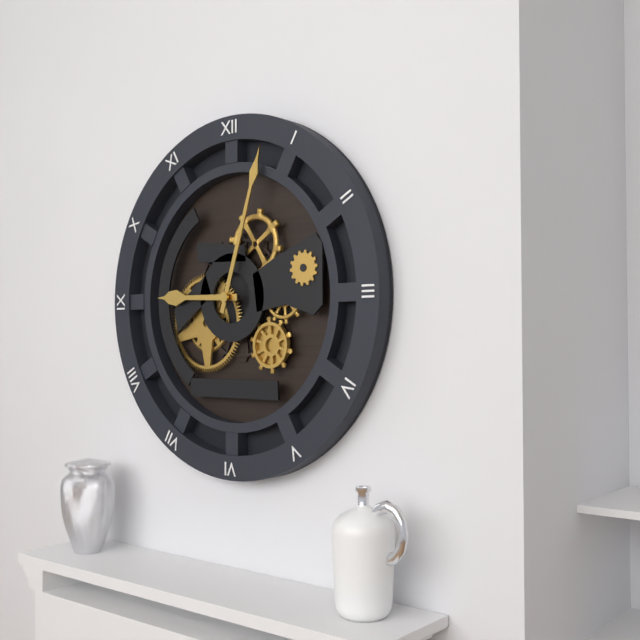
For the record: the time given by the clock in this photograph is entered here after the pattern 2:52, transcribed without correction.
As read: 9:03
